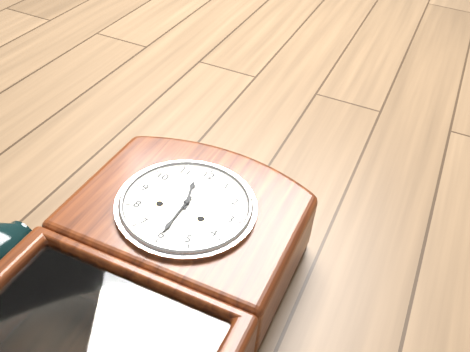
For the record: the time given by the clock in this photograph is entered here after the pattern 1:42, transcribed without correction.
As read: 11:30
